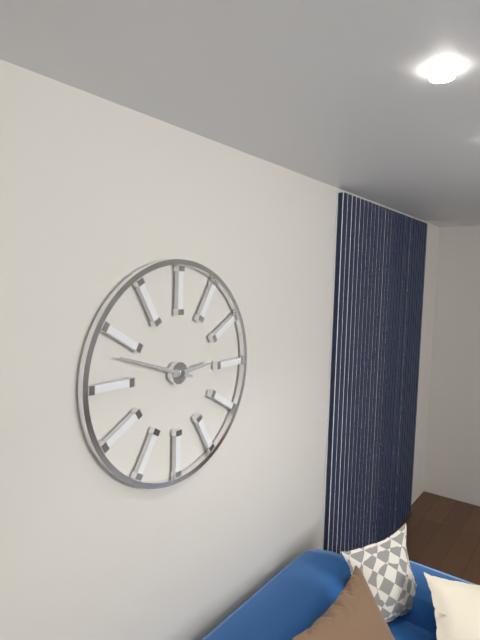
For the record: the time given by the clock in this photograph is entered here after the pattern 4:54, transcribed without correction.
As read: 2:48
